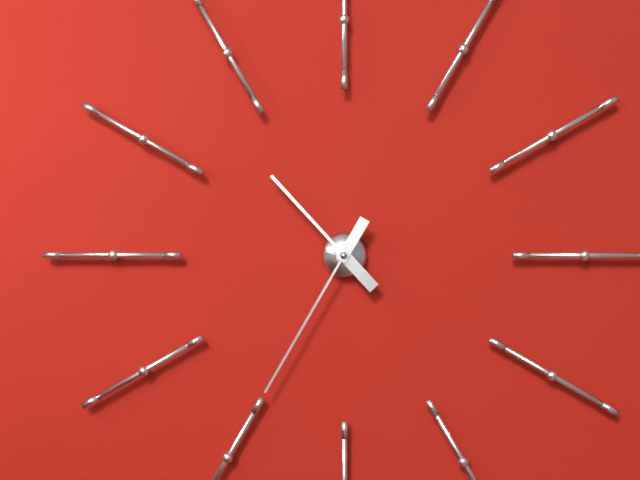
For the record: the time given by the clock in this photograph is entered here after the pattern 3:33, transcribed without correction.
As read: 10:35
